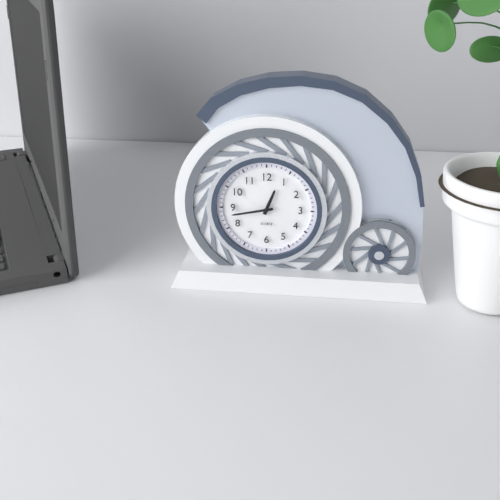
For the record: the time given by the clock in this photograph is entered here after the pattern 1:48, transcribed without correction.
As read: 12:43
